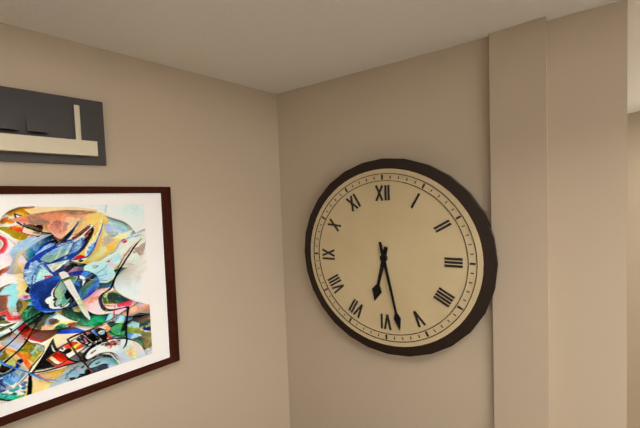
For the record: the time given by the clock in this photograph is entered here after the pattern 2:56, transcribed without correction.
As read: 6:28
